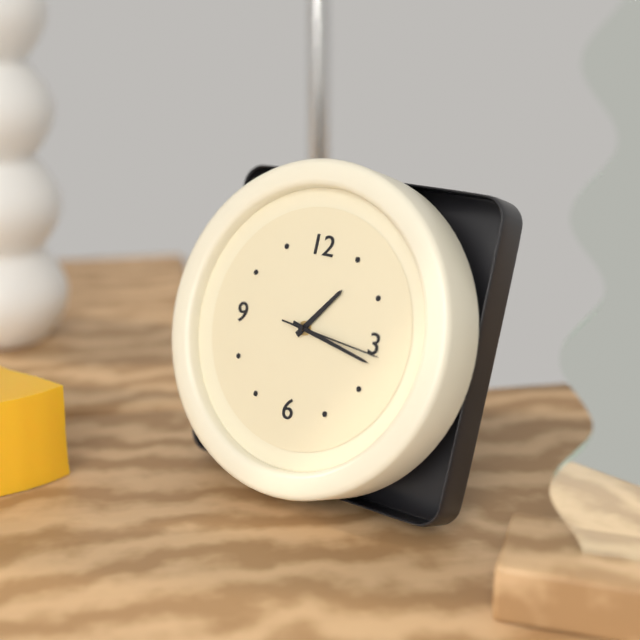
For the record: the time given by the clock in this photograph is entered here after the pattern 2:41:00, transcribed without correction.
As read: 1:17:16
